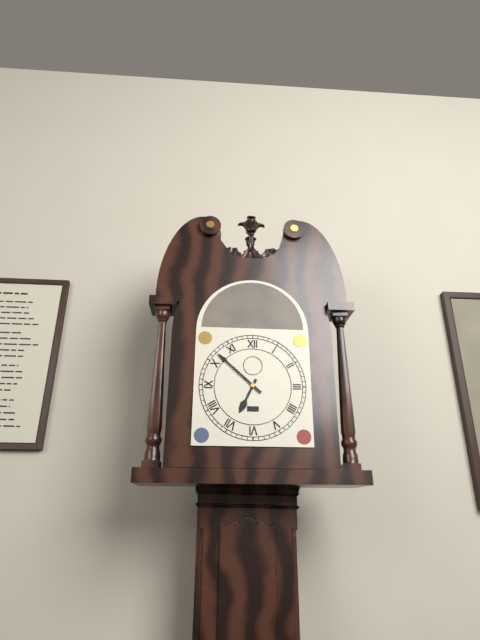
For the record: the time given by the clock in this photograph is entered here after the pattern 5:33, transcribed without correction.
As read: 6:52
